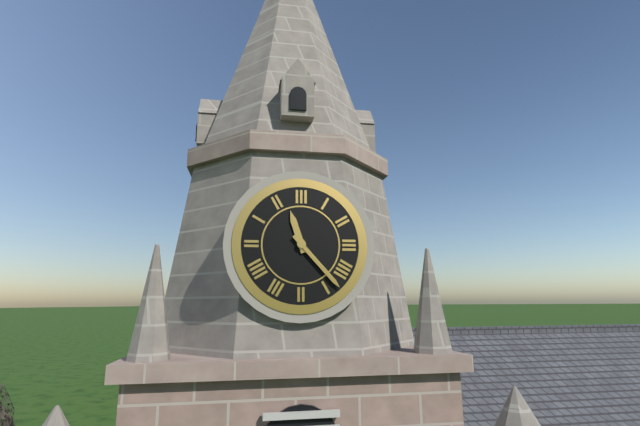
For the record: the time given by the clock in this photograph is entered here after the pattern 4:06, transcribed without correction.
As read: 11:23
